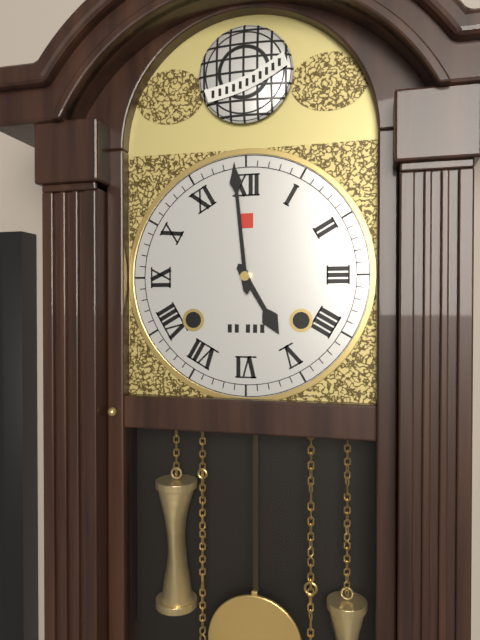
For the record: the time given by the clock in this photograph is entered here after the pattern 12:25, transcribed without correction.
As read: 4:59
